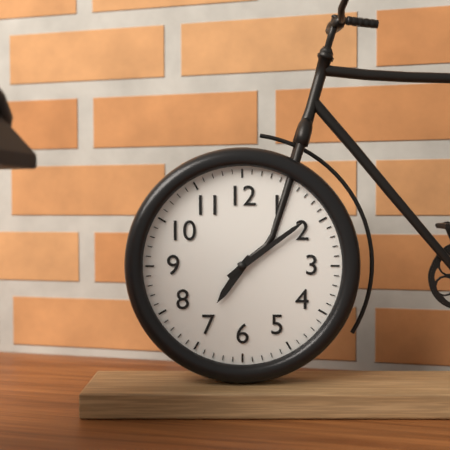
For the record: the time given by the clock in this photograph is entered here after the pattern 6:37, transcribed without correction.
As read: 7:09
